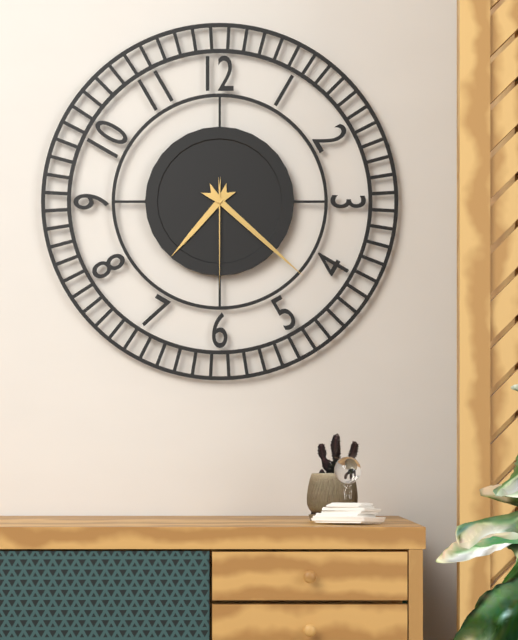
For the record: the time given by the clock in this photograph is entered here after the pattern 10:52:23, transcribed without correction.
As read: 7:22:30
